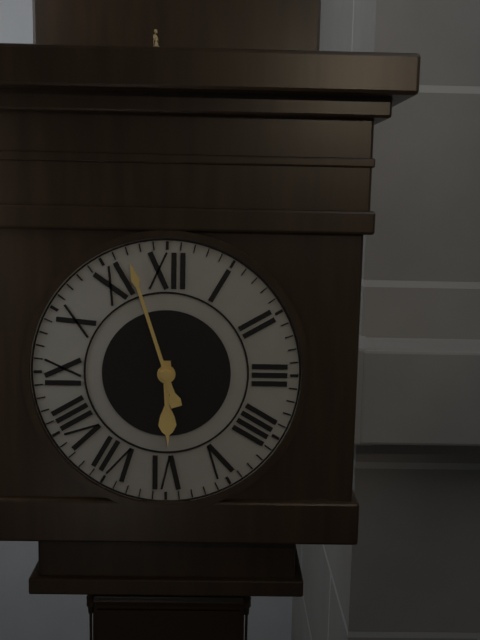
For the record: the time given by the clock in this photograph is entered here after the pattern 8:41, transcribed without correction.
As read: 5:57
